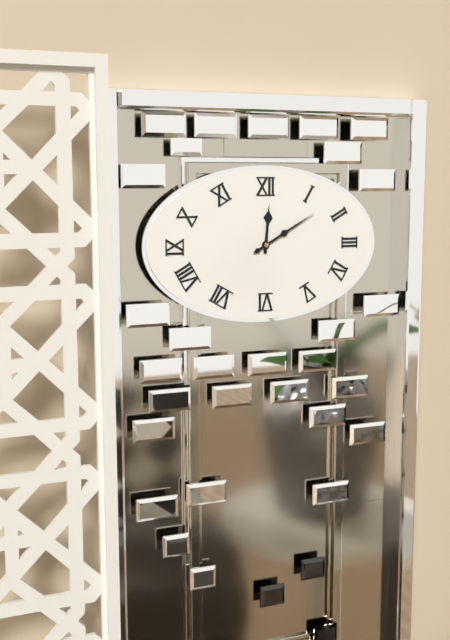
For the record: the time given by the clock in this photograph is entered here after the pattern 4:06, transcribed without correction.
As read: 12:10
